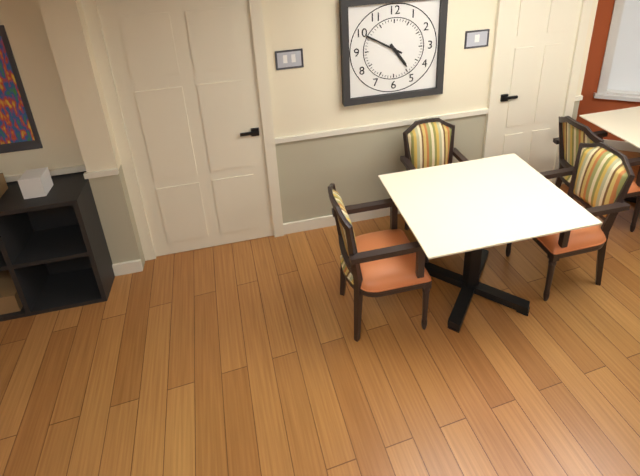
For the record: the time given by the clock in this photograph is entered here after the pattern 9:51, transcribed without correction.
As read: 4:50
